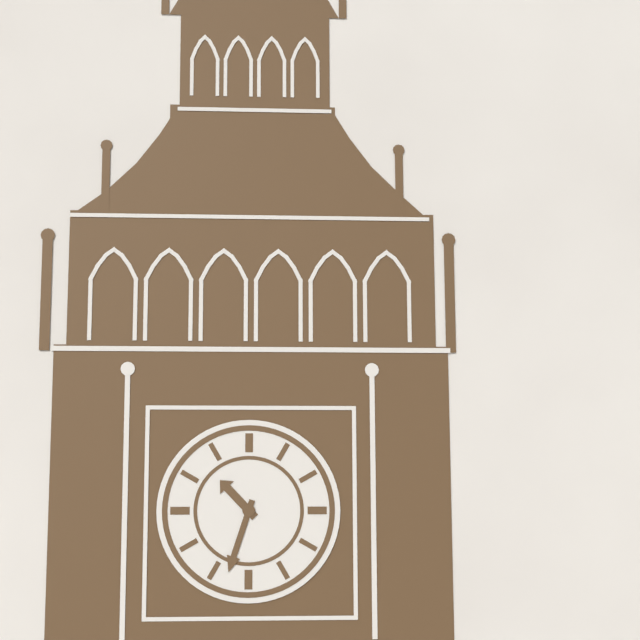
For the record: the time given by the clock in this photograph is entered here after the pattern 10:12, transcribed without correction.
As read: 10:33
